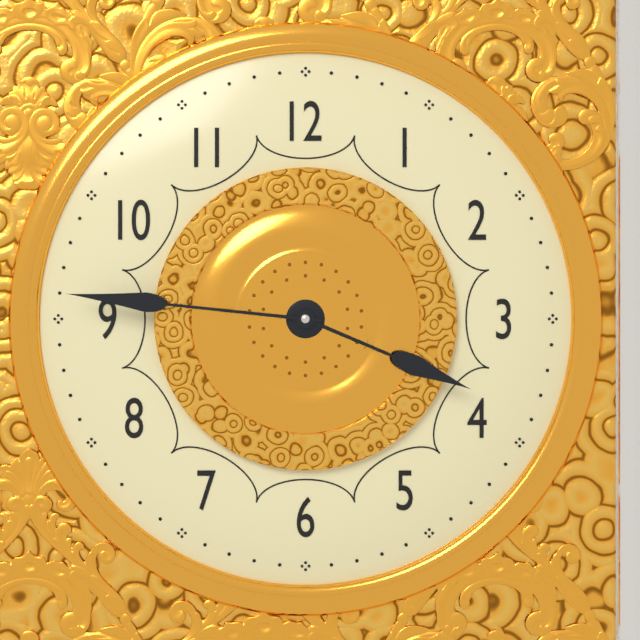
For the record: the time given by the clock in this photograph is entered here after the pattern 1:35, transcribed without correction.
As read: 3:46
